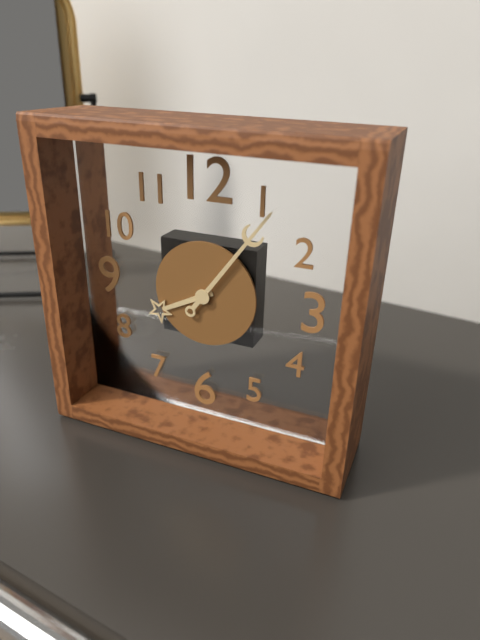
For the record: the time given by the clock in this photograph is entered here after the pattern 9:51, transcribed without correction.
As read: 8:06
